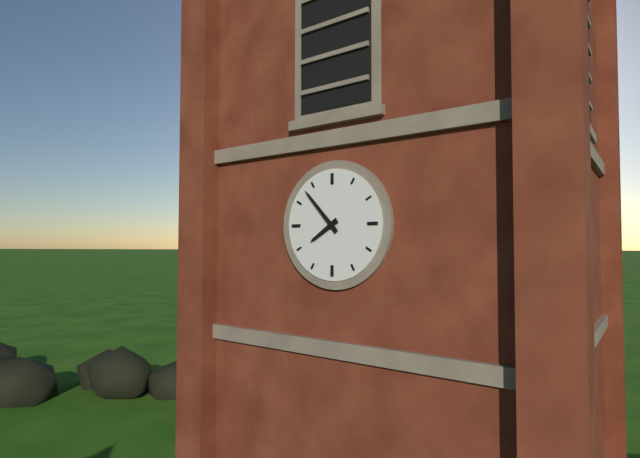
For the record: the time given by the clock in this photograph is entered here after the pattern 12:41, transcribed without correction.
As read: 7:53
